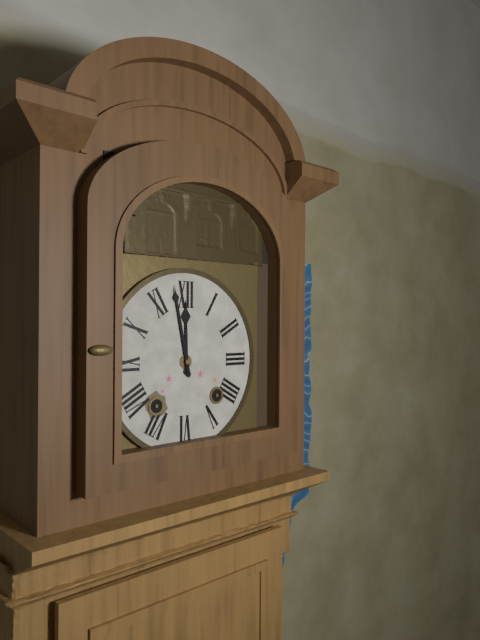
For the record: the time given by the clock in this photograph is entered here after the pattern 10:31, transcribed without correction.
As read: 11:58
